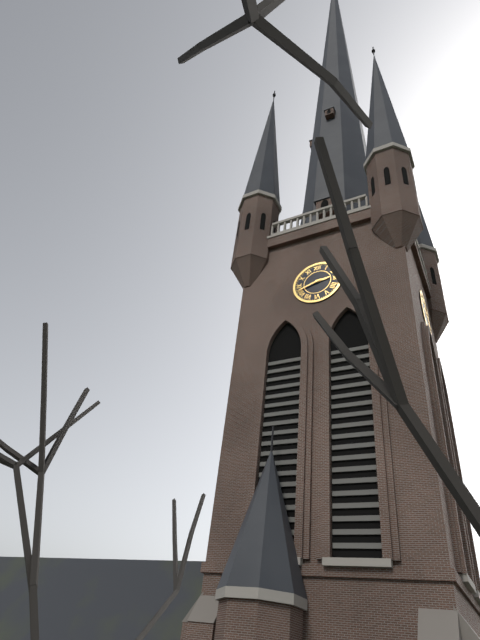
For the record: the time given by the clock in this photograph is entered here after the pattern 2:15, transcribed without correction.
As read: 2:42
